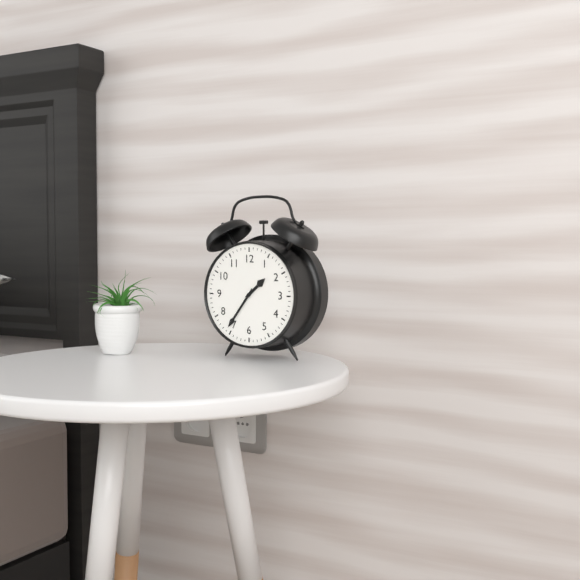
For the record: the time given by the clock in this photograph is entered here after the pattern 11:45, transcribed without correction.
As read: 1:36
